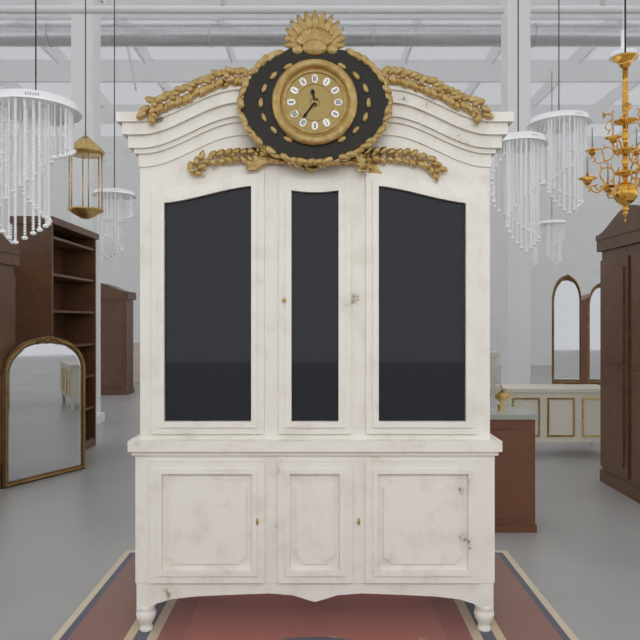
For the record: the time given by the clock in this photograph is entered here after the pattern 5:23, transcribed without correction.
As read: 11:36
